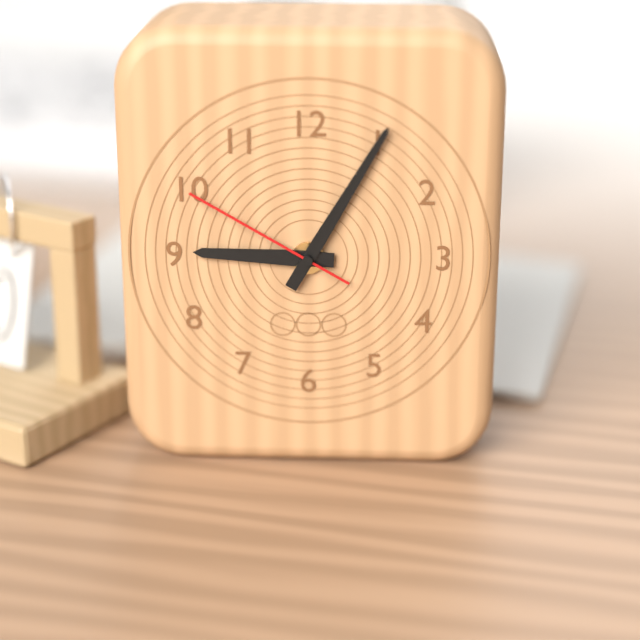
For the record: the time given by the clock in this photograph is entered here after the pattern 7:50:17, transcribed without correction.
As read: 9:05:50
